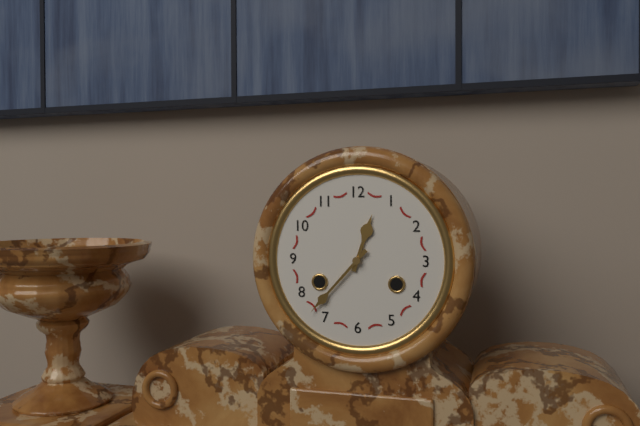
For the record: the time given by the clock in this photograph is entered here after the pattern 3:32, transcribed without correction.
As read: 12:37
